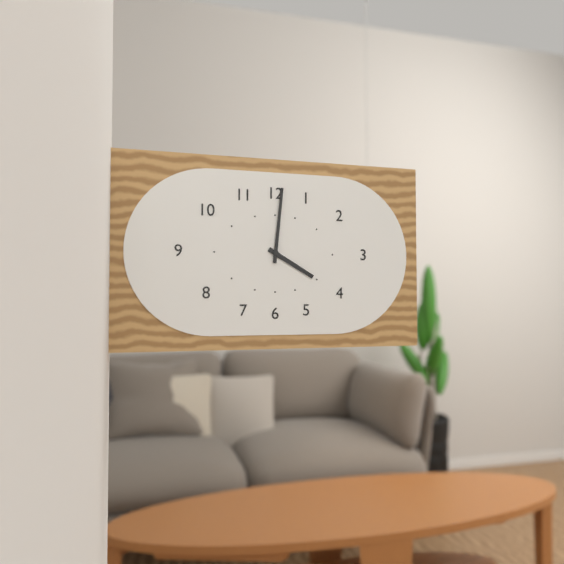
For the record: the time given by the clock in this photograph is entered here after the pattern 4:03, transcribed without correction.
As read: 4:01
